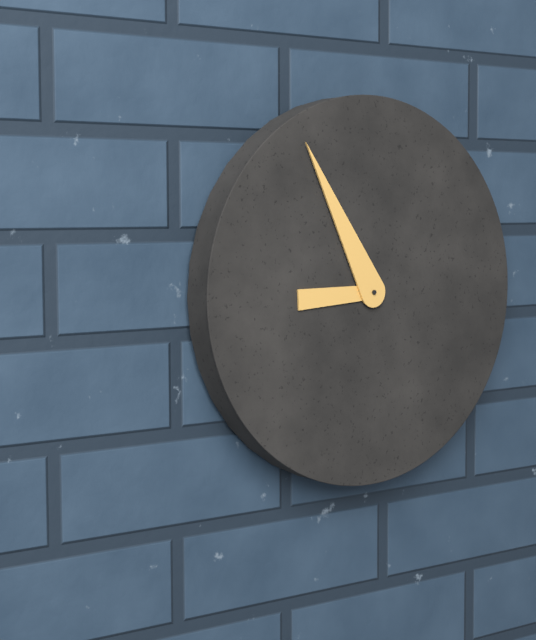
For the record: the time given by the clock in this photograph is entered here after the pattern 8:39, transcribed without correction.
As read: 8:55
